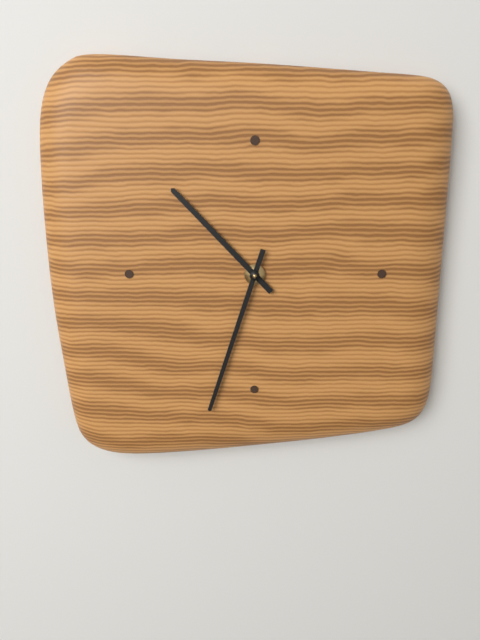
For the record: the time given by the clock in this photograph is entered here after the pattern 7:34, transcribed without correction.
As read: 10:33
